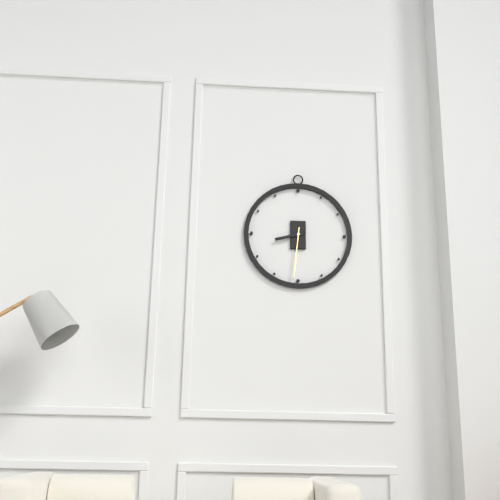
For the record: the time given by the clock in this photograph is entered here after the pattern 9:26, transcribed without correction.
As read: 8:31
